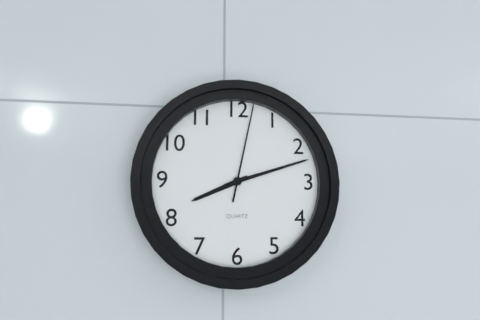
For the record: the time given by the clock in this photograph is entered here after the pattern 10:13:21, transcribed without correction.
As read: 8:12:02
